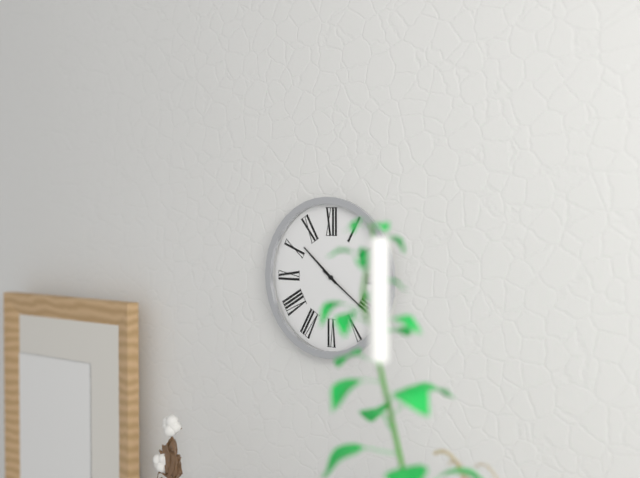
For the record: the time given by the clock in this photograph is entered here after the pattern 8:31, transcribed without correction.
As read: 10:21
